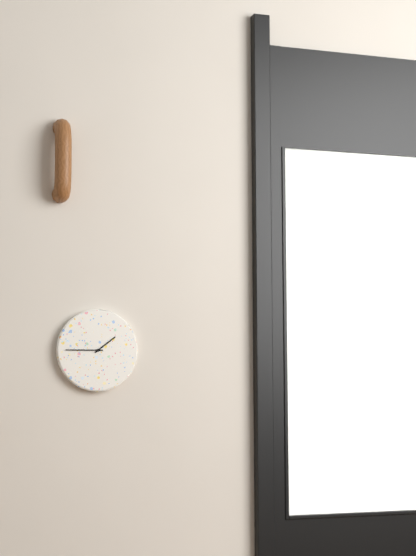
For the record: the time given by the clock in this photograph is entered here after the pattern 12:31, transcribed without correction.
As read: 1:45
